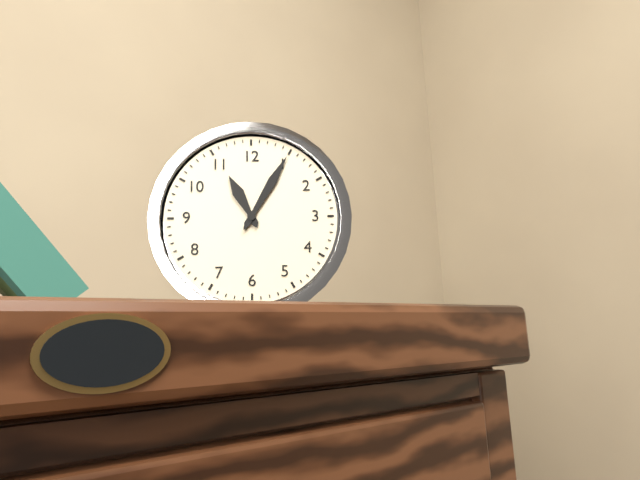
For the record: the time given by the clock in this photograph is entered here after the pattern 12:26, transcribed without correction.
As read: 11:05
